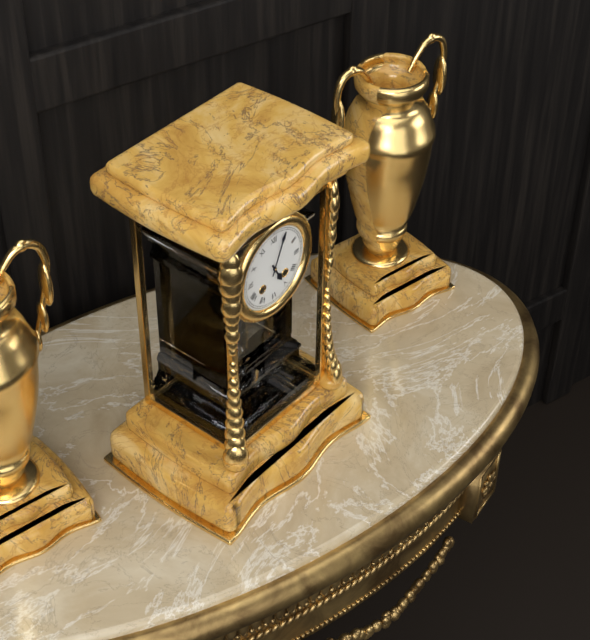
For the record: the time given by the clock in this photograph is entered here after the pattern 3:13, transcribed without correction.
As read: 5:04
